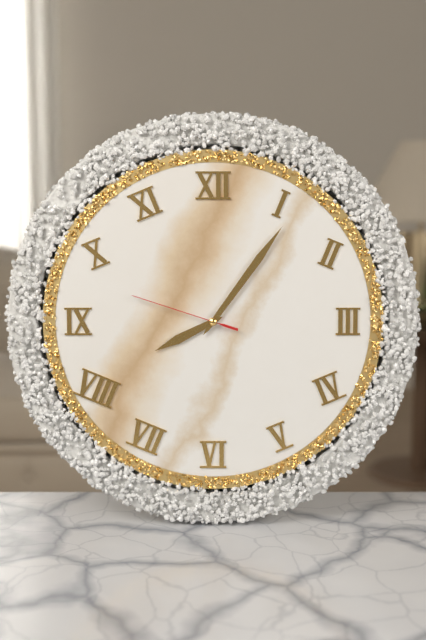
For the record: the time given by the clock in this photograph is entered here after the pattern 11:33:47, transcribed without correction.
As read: 8:06:48
